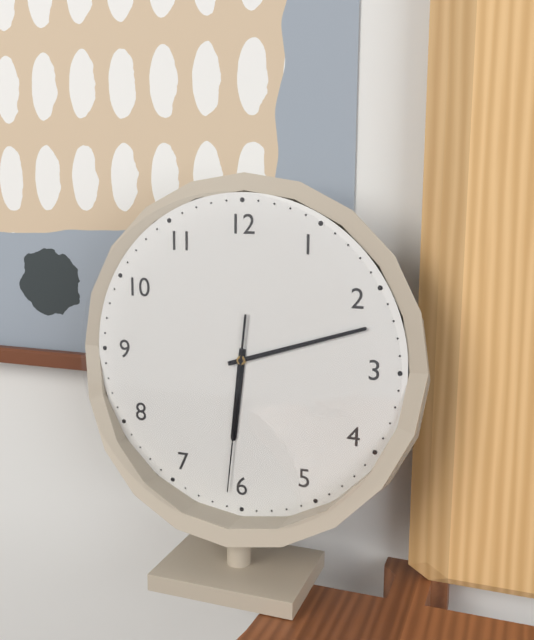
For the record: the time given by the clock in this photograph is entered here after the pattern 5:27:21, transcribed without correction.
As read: 6:12:31
